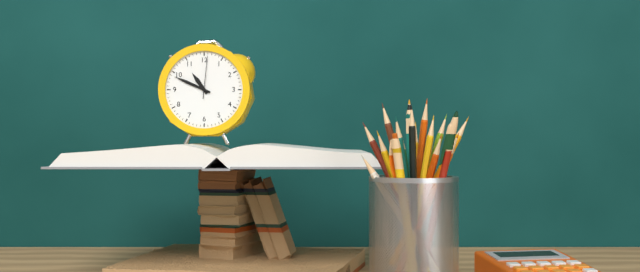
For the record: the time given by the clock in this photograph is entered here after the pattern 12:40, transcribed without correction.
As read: 10:49
